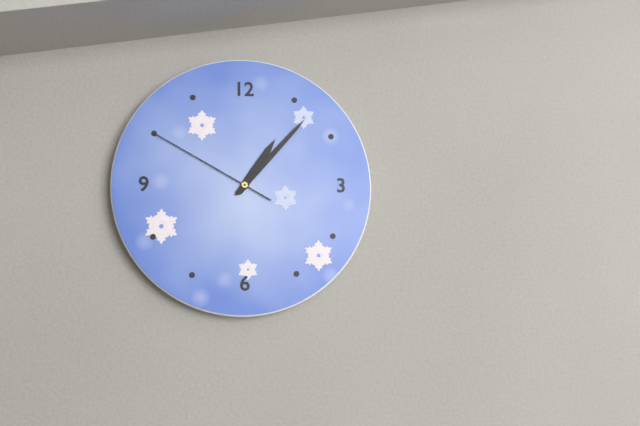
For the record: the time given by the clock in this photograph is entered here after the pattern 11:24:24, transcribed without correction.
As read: 1:07:50
